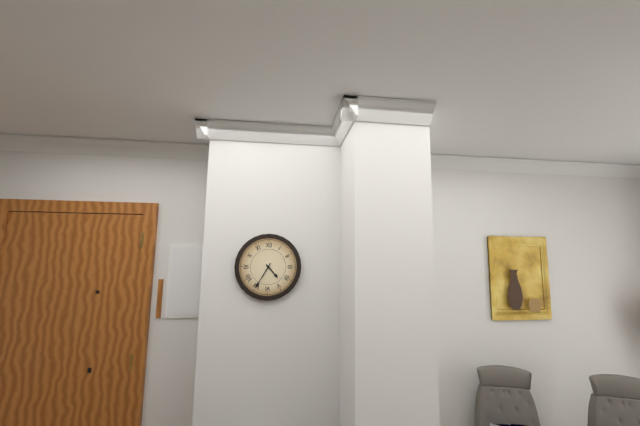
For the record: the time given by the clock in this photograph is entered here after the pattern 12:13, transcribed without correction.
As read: 4:35
